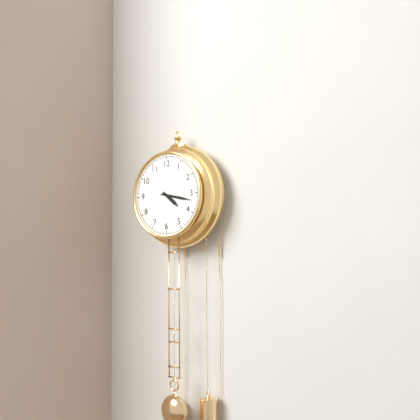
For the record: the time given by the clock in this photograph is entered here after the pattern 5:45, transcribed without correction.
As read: 4:17
